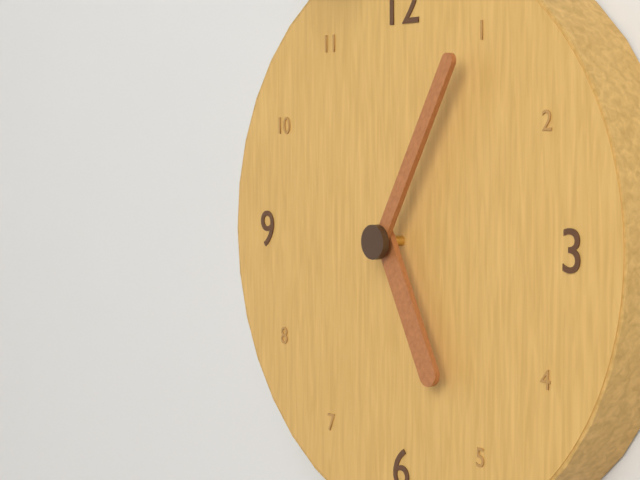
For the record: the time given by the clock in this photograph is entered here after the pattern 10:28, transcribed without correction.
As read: 5:05
